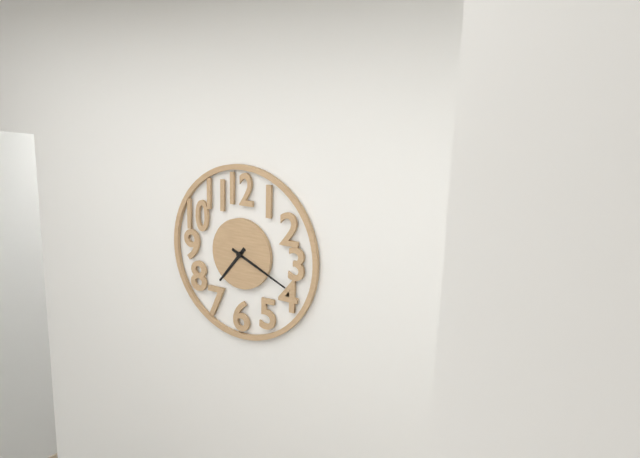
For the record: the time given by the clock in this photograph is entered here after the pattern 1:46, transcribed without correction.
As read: 7:19
